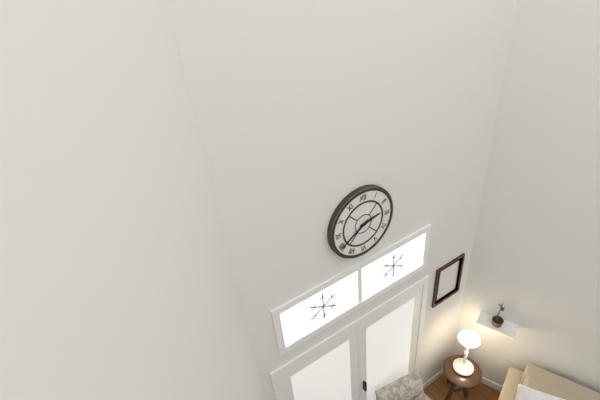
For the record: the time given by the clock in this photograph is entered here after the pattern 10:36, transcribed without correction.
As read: 2:40
